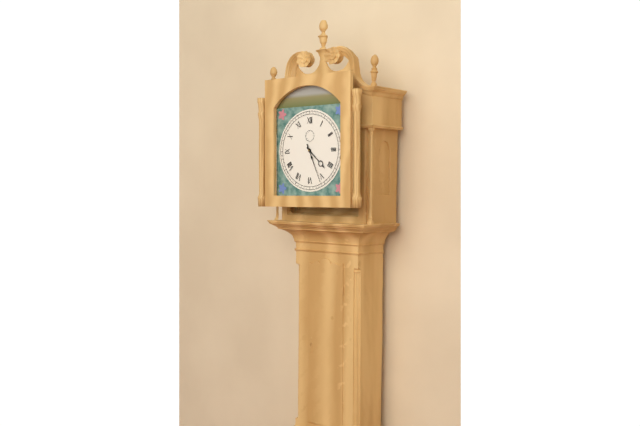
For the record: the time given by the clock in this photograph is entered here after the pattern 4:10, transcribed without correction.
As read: 4:26
